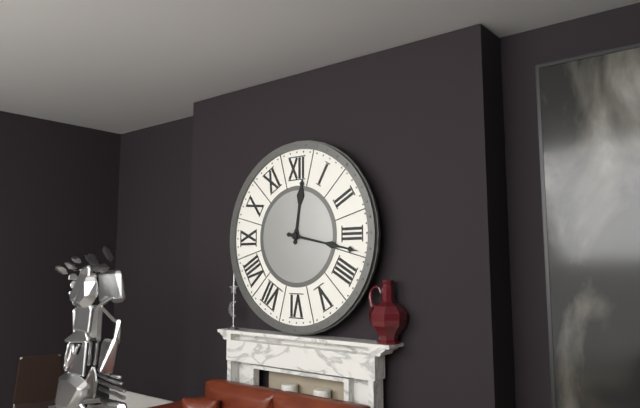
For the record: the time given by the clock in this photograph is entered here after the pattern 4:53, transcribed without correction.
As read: 12:17
